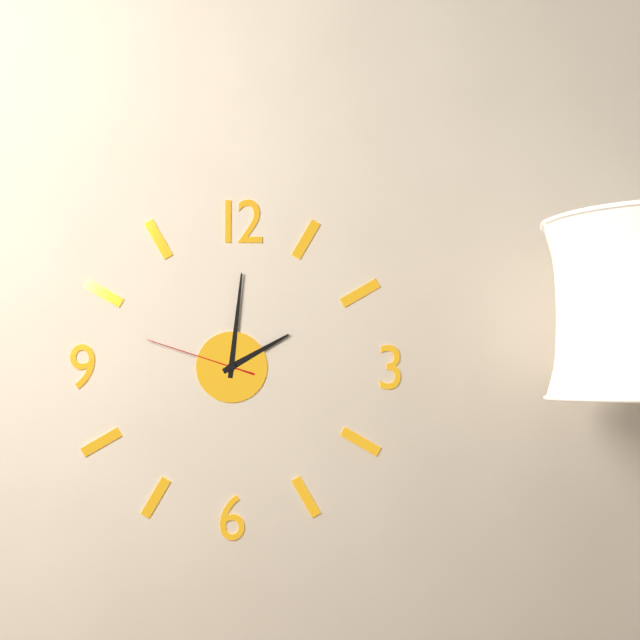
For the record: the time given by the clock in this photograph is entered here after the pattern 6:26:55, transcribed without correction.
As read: 2:01:48
